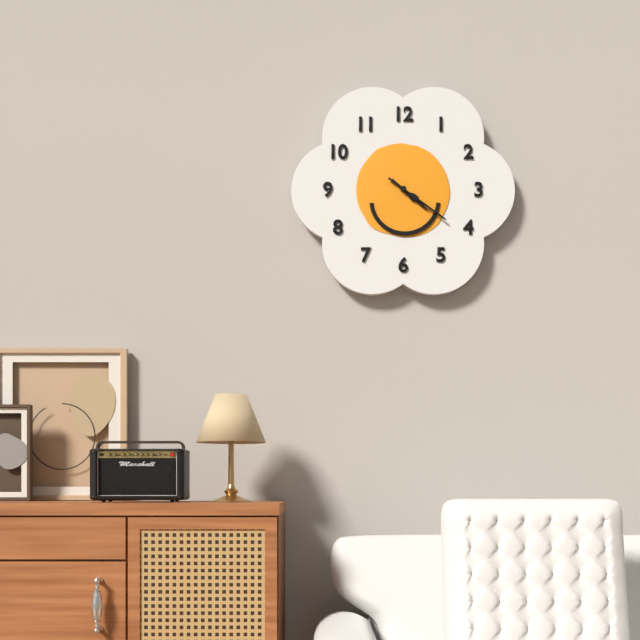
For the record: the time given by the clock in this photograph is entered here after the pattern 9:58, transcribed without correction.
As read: 4:21
